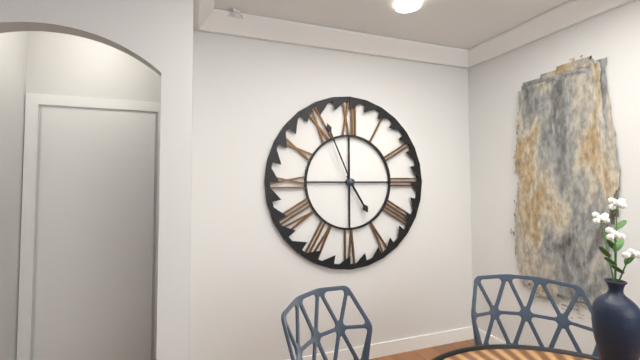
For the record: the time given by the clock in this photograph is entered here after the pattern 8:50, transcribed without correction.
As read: 4:56
